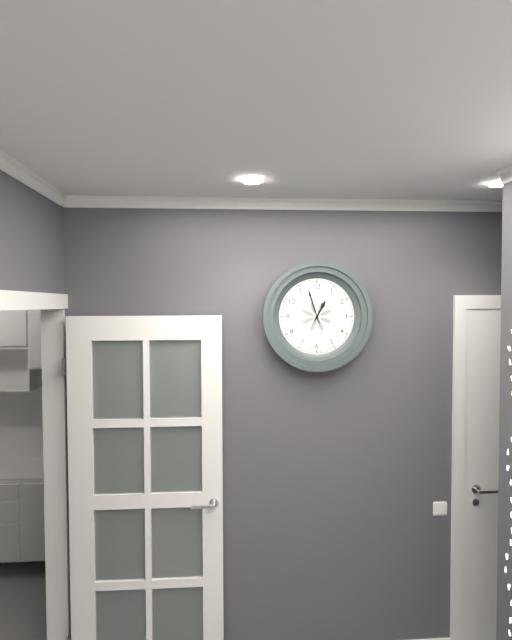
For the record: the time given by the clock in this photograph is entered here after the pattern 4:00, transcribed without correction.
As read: 12:57
